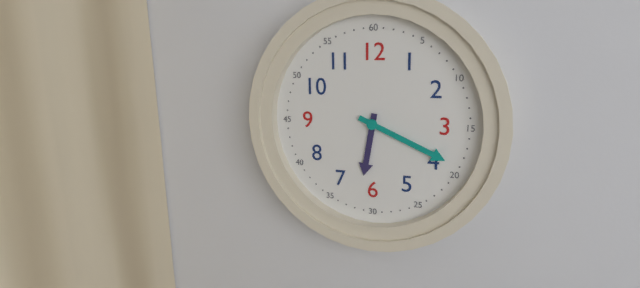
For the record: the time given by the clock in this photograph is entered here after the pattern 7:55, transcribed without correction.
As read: 6:19
